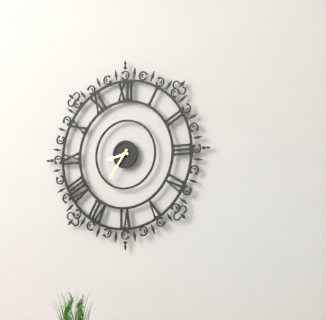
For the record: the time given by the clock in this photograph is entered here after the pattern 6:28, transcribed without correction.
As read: 8:36
